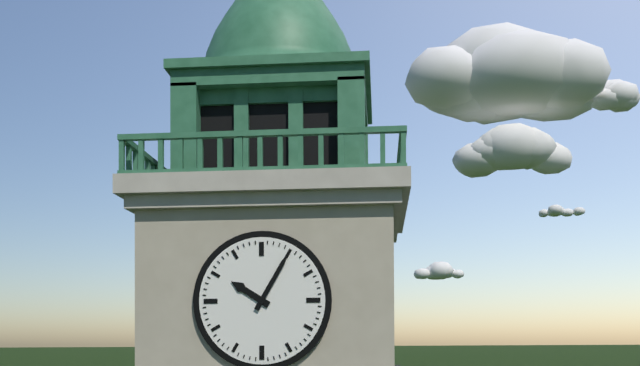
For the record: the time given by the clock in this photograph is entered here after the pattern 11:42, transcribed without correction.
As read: 10:05
